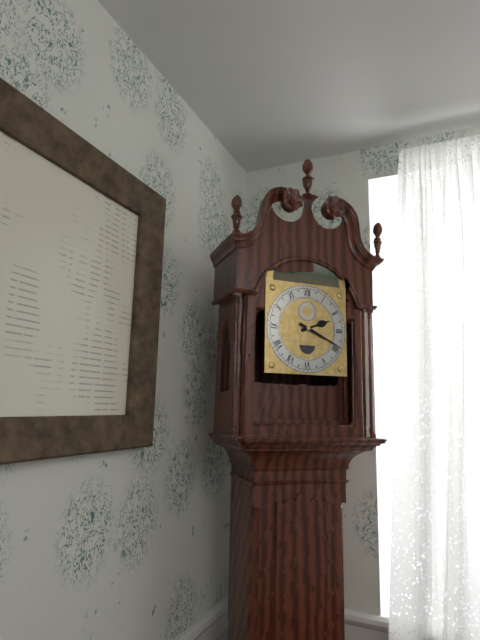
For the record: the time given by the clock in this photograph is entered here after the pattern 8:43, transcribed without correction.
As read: 2:19
